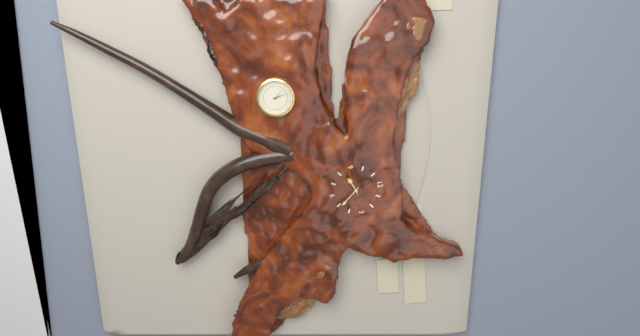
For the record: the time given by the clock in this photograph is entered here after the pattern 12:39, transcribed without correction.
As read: 8:24
